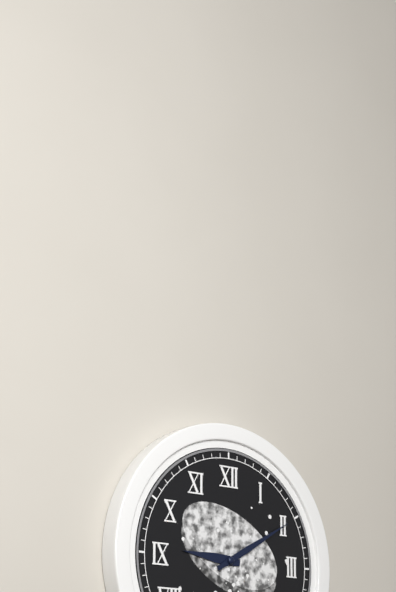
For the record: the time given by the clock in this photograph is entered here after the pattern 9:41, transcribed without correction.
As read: 9:10
